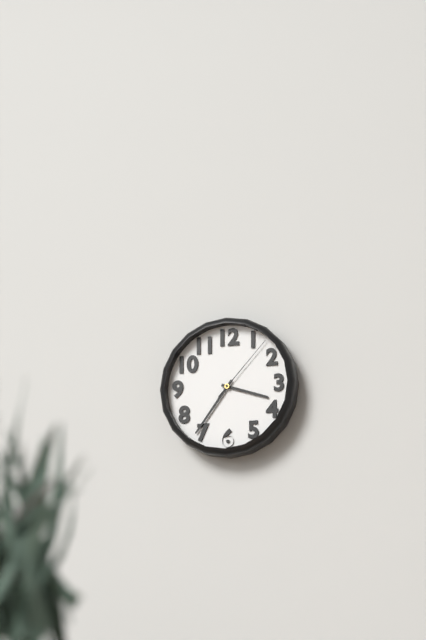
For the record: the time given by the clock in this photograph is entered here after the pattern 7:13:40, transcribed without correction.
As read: 3:36:07
